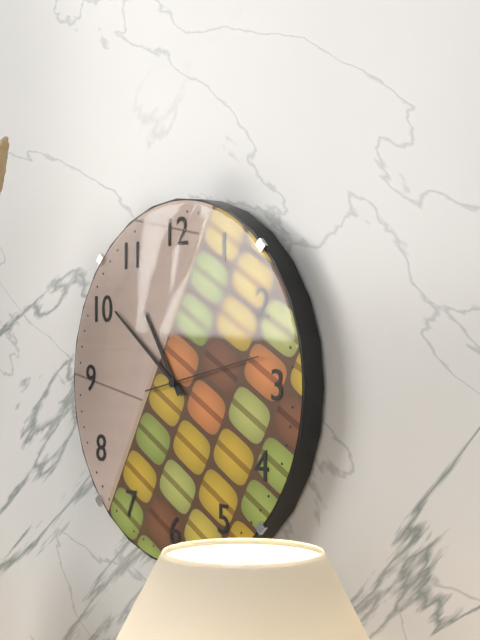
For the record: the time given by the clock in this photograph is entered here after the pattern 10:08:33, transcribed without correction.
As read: 10:51:13
